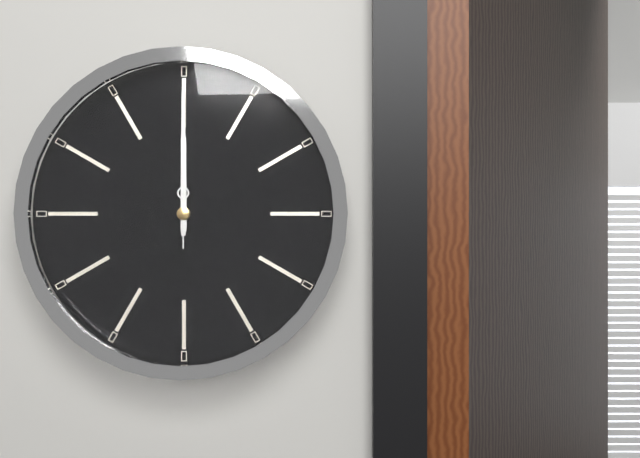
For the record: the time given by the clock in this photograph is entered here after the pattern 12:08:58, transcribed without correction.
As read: 12:00:00
